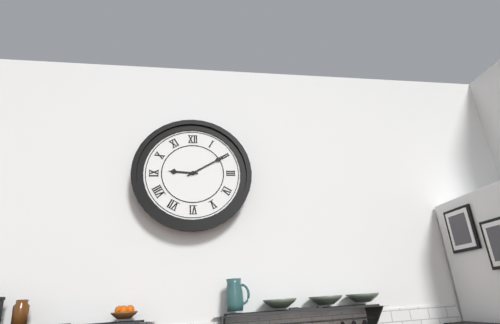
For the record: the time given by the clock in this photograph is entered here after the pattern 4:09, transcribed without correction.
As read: 9:10
